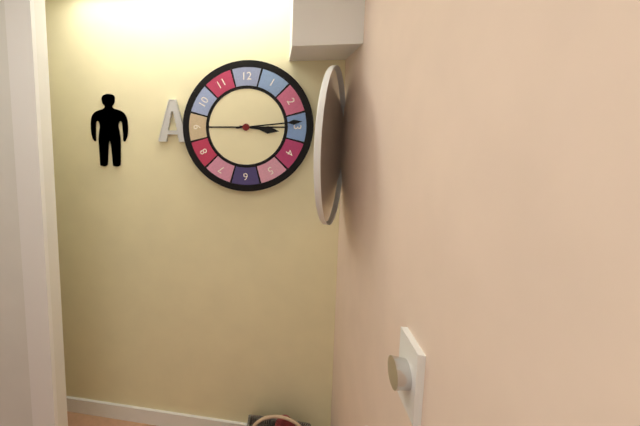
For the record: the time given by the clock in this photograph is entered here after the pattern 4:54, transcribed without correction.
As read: 3:14
